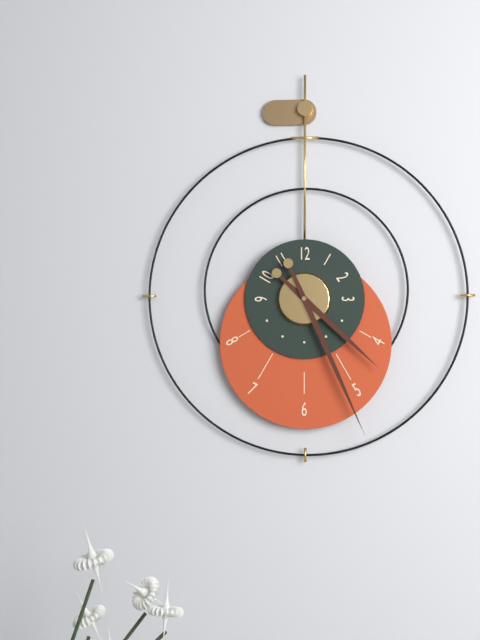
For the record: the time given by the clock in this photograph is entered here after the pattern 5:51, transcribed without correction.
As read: 4:26
